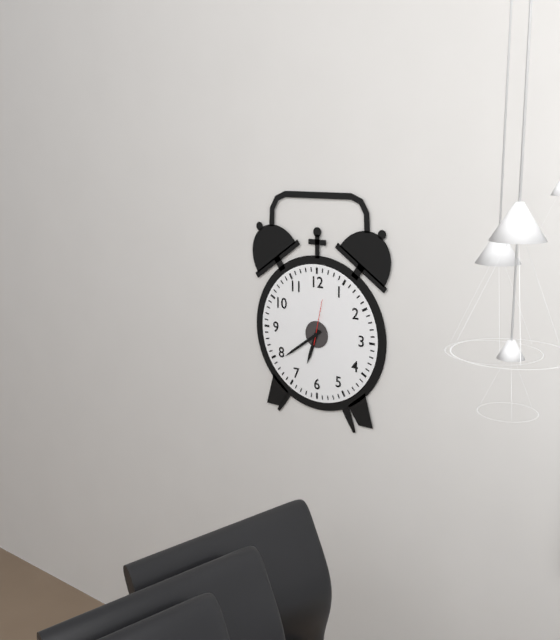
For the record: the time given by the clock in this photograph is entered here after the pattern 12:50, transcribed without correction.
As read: 6:39
